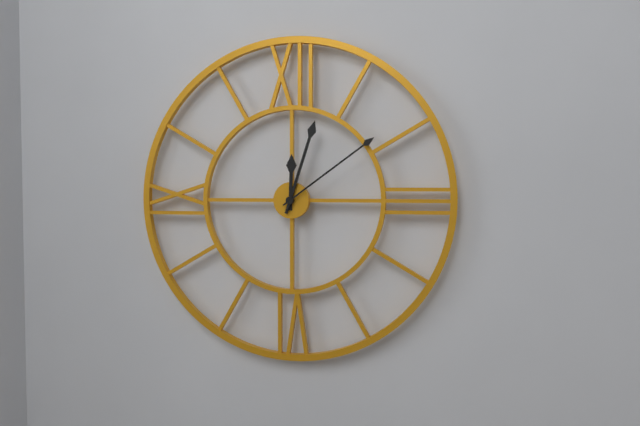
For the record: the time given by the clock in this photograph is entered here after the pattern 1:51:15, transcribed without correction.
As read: 12:03:09
